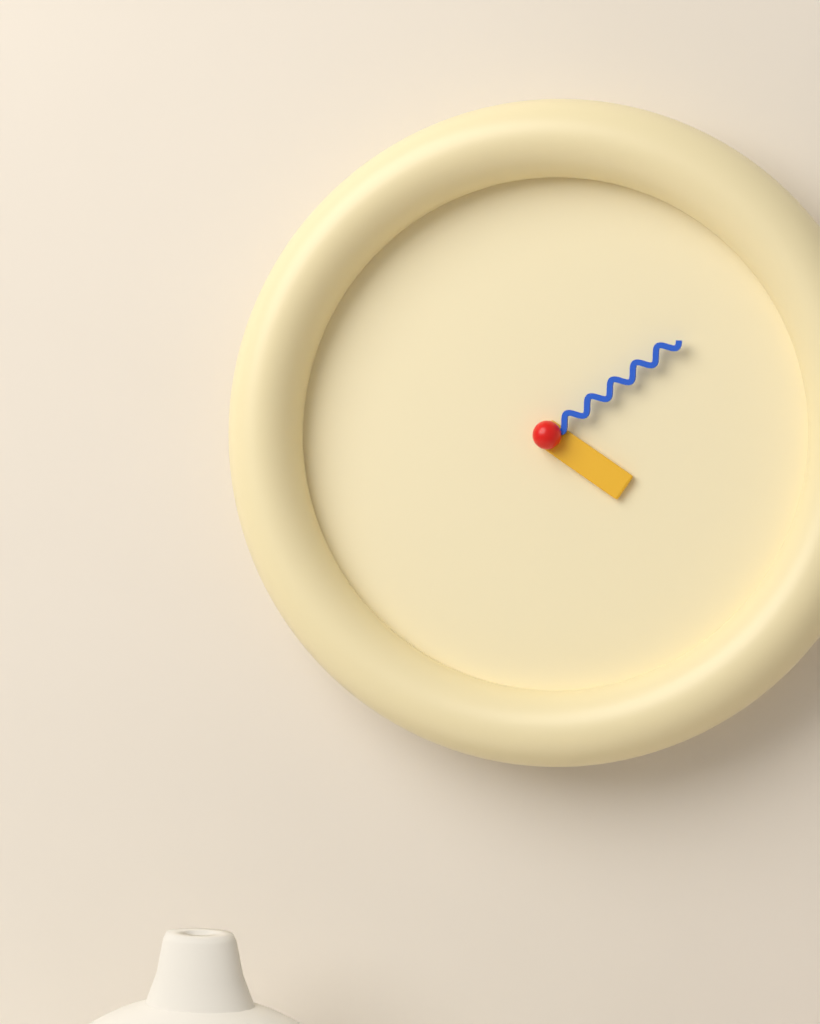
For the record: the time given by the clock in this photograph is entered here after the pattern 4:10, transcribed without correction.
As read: 4:09
